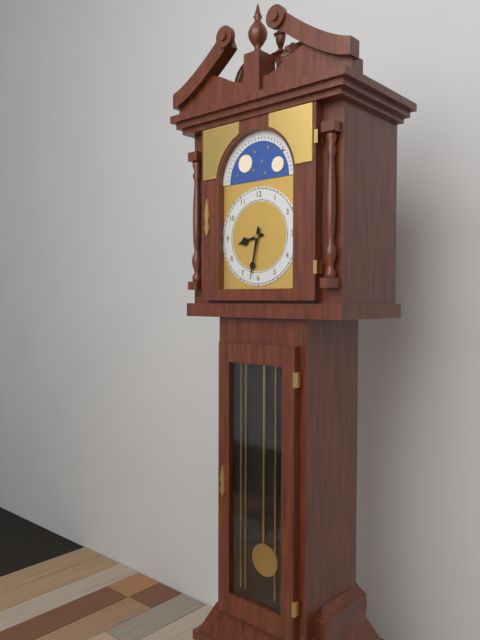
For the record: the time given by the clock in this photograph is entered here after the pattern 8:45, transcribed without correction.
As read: 8:32
